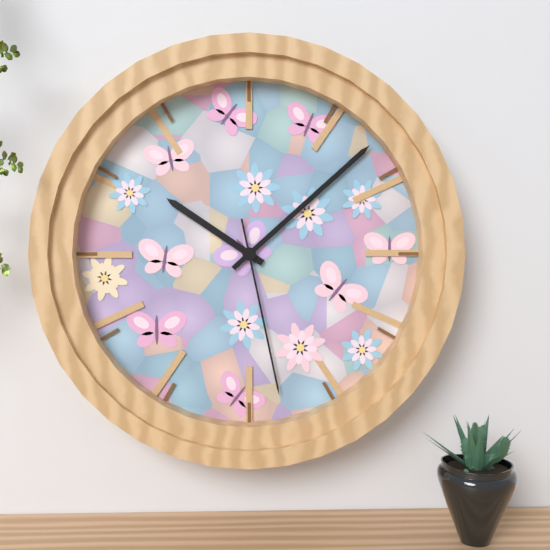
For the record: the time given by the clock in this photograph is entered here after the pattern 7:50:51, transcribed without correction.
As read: 10:08:28
